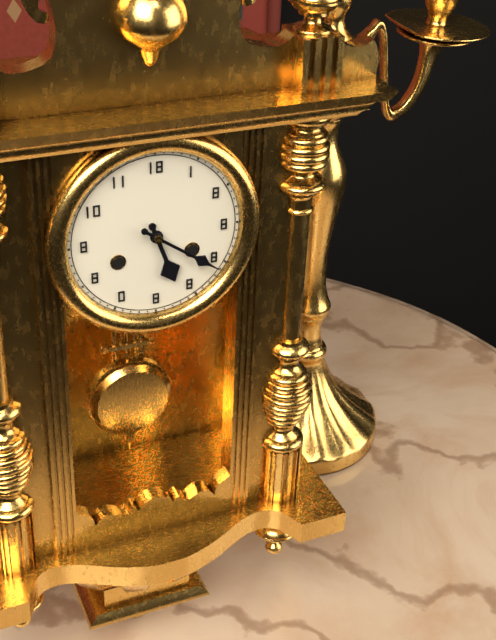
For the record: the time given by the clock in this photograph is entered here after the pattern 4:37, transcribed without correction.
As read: 5:21
